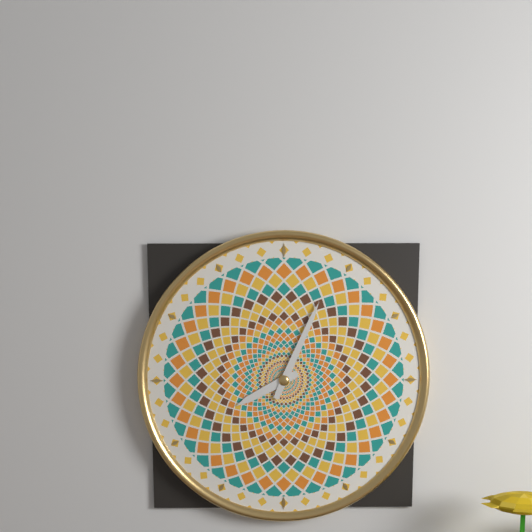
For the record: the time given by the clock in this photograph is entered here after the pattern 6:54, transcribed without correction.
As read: 8:04
